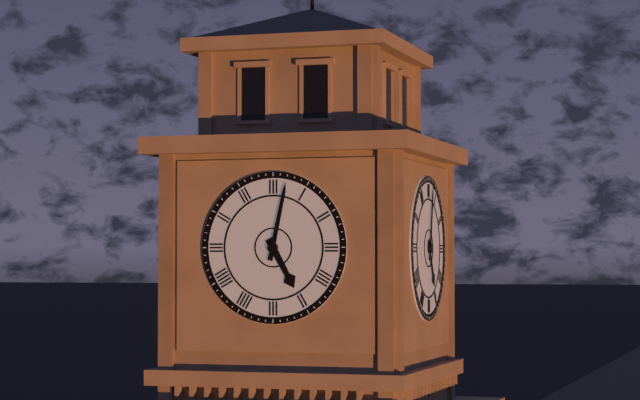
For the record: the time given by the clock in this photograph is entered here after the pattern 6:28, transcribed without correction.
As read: 5:02
